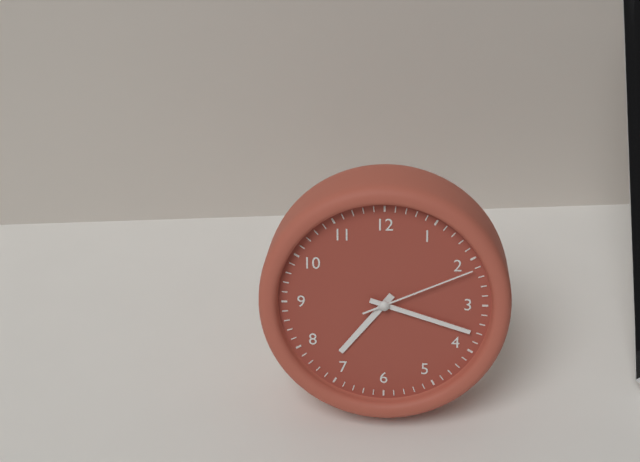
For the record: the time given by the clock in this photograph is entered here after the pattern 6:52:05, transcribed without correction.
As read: 7:18:11
